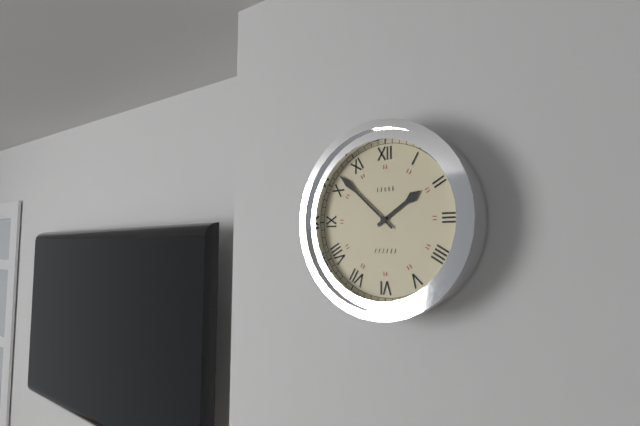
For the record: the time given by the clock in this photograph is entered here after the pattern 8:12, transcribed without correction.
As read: 1:52
